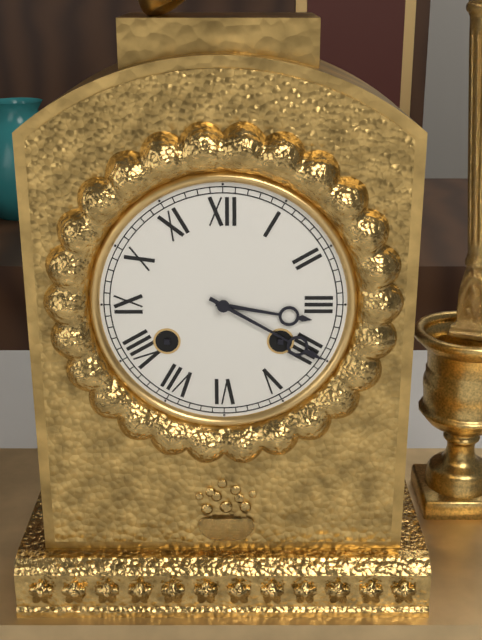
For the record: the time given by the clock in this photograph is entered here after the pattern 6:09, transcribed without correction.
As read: 3:20
